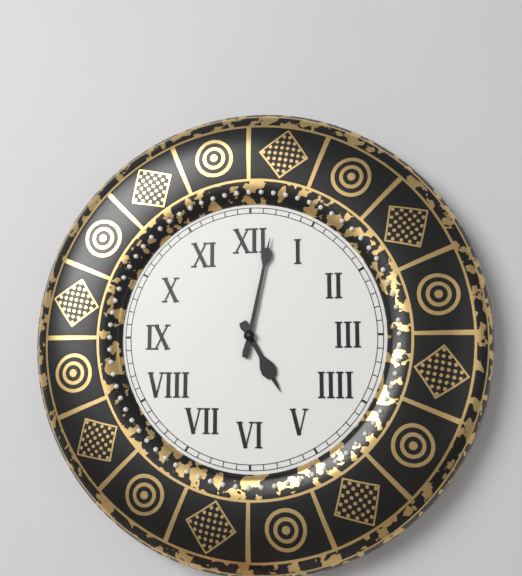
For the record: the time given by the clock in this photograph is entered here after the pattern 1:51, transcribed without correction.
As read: 5:02
